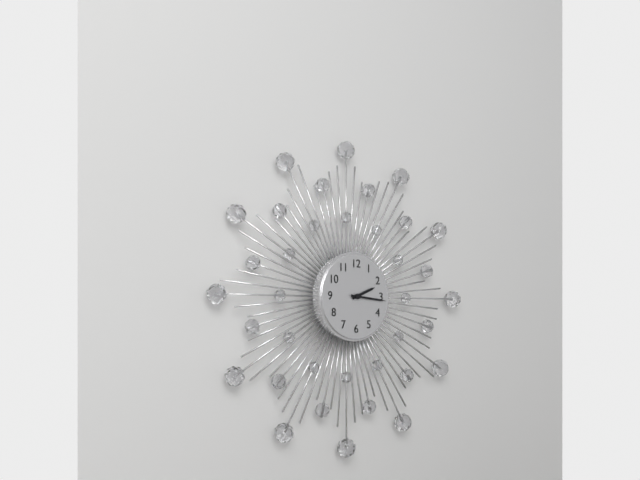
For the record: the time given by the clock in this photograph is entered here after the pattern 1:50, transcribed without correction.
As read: 2:16
